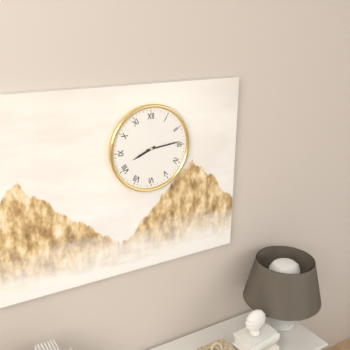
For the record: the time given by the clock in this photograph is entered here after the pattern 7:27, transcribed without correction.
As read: 8:14
